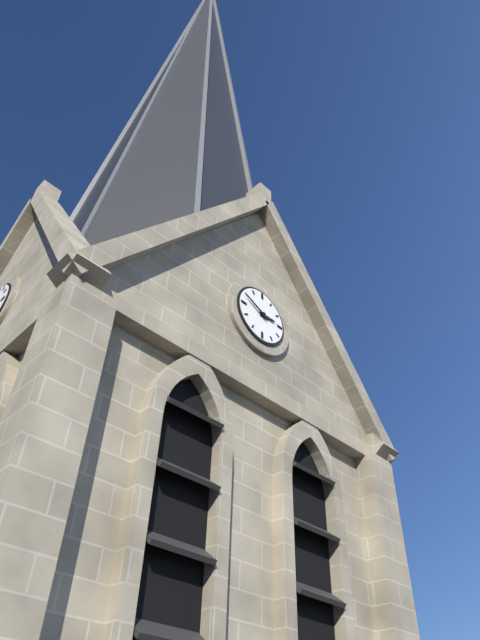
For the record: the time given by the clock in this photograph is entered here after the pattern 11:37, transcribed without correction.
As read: 2:49
